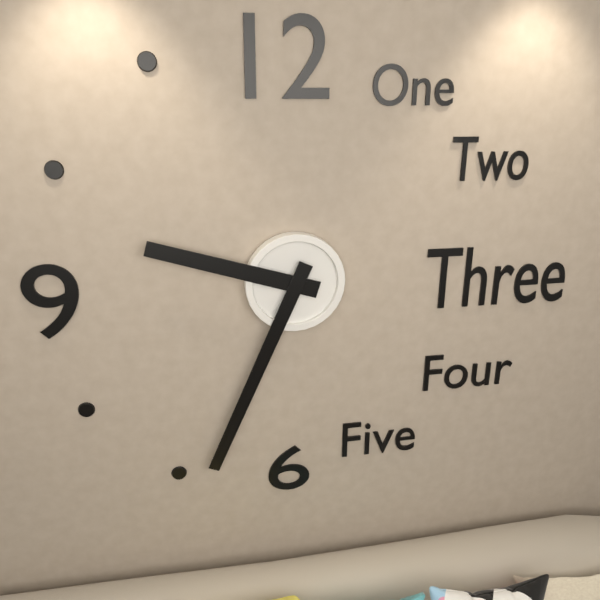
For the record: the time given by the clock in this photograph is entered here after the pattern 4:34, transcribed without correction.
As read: 9:34
